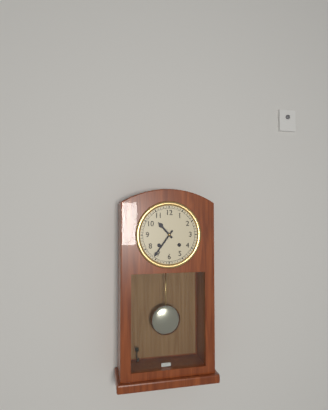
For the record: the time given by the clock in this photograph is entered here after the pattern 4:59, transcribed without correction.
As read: 10:36
